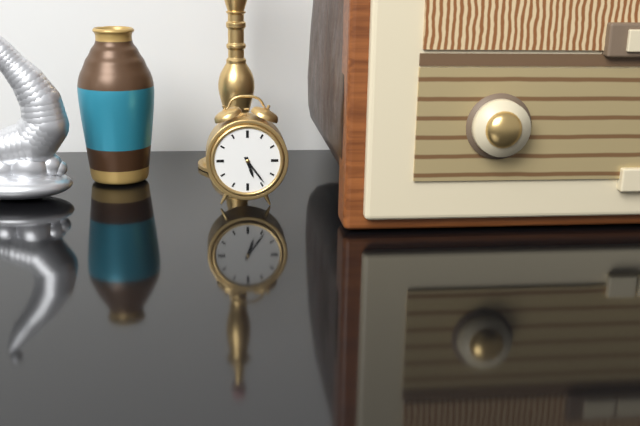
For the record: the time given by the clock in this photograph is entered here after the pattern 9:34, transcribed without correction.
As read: 5:24
